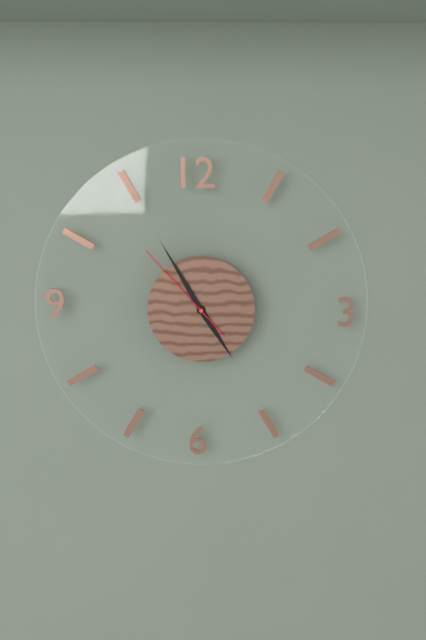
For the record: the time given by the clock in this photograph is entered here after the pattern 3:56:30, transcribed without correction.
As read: 4:55:53
